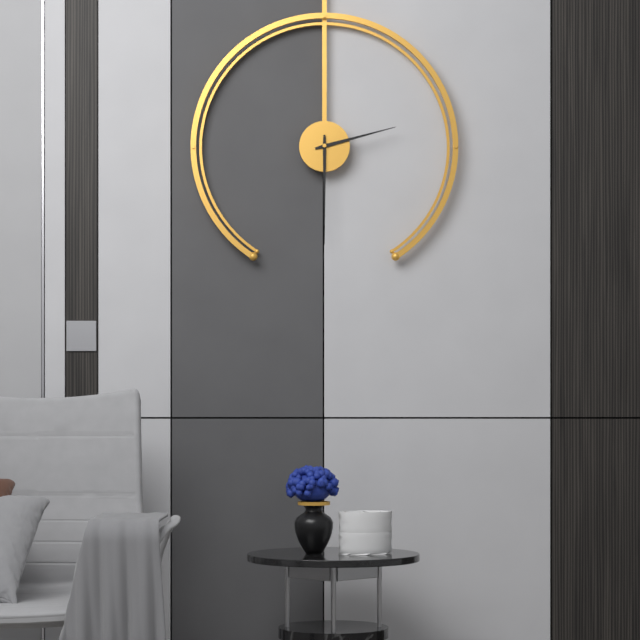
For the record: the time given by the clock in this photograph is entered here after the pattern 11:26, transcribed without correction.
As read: 2:30
